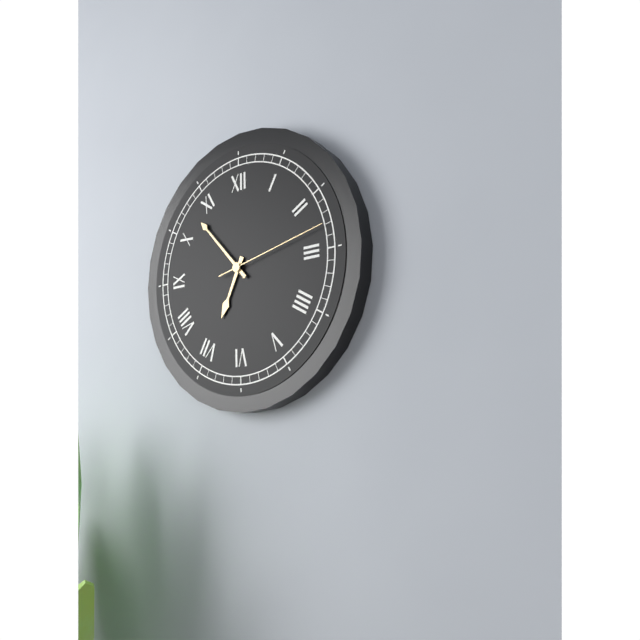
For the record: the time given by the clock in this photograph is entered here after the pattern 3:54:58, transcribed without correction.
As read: 6:53:13
